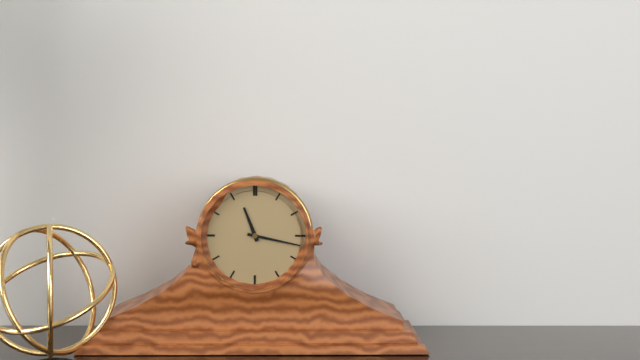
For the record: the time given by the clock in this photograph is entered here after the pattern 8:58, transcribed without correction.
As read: 11:17
